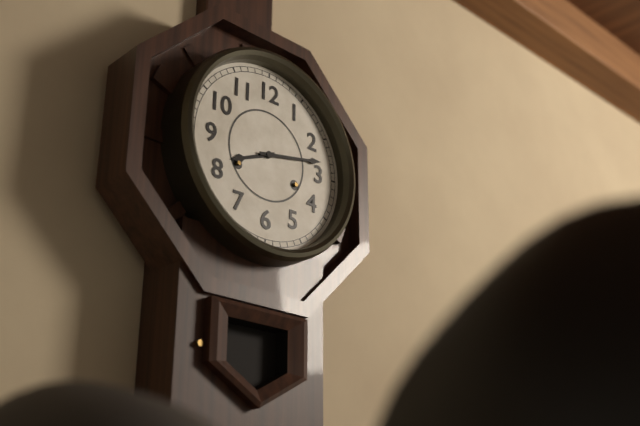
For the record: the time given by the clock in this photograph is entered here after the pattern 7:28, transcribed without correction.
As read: 8:13
